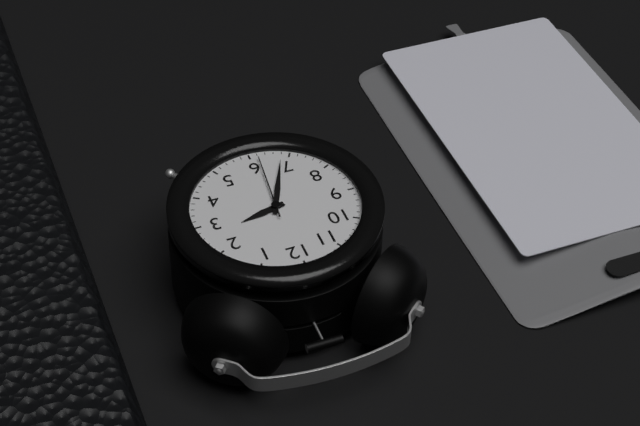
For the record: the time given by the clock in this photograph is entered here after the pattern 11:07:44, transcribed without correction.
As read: 2:34:31
